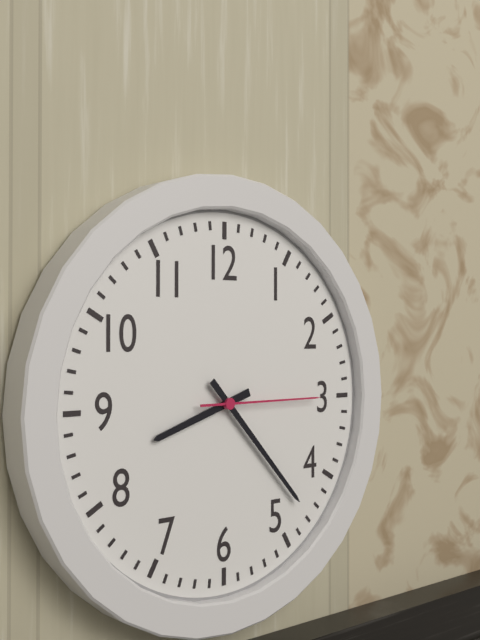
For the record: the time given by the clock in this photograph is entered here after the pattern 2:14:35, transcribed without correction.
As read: 8:23:15
